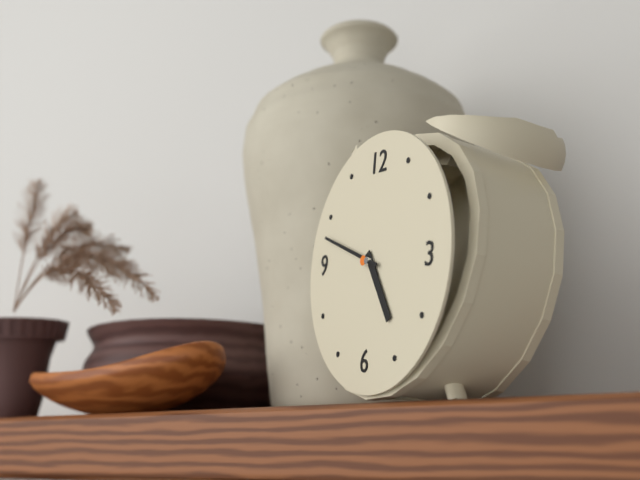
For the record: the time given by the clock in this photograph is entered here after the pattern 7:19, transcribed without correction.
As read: 4:48
